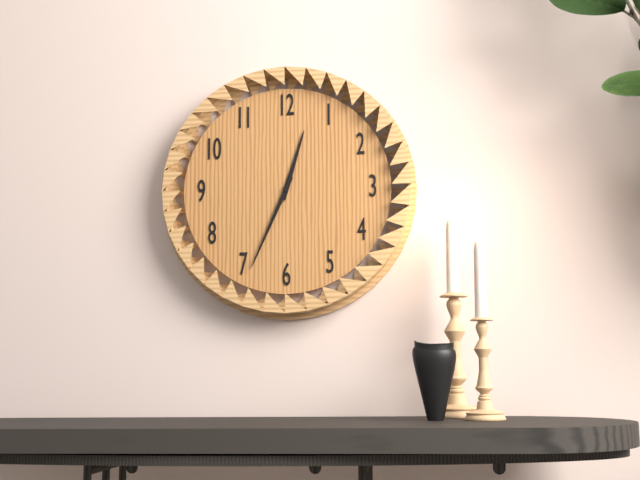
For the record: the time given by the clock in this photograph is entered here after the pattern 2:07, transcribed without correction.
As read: 12:34
